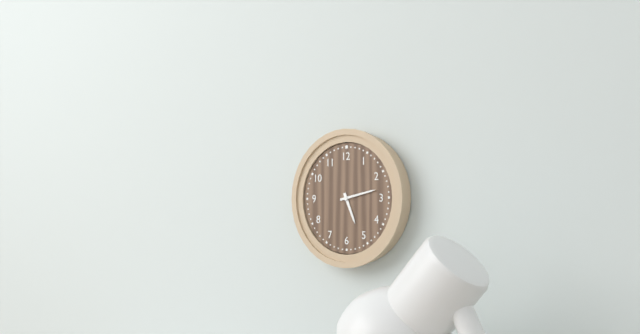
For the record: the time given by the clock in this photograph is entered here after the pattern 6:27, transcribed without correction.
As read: 5:13
